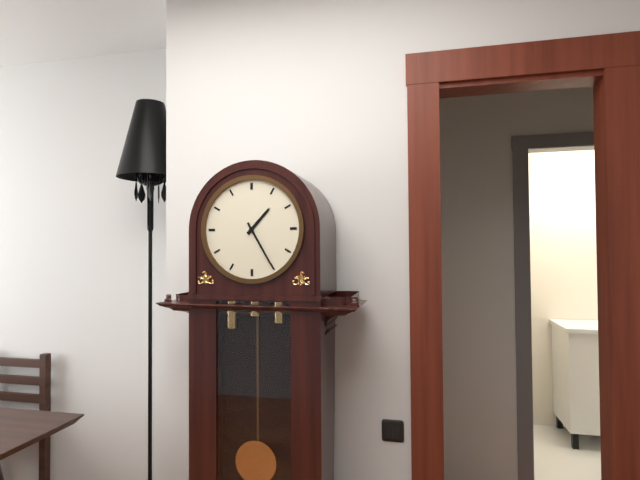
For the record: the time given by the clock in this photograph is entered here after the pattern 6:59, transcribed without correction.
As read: 1:25
